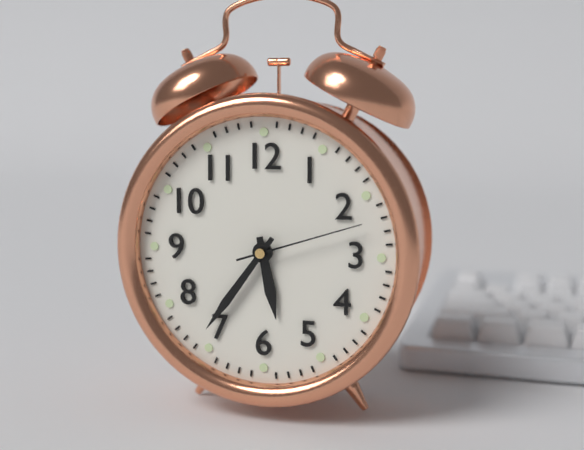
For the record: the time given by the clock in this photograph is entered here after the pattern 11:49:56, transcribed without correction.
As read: 5:36:12
